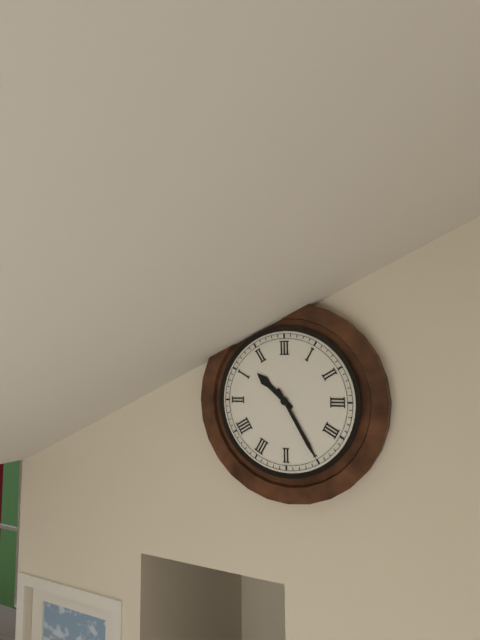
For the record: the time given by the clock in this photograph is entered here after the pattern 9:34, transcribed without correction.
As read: 10:25
